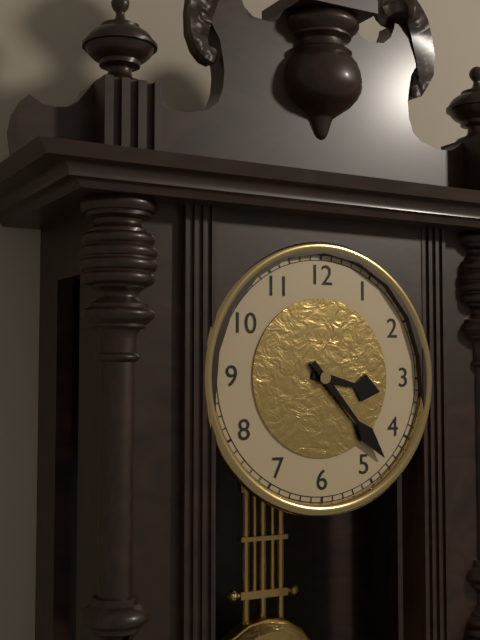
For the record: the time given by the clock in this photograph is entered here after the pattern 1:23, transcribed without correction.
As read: 3:23
